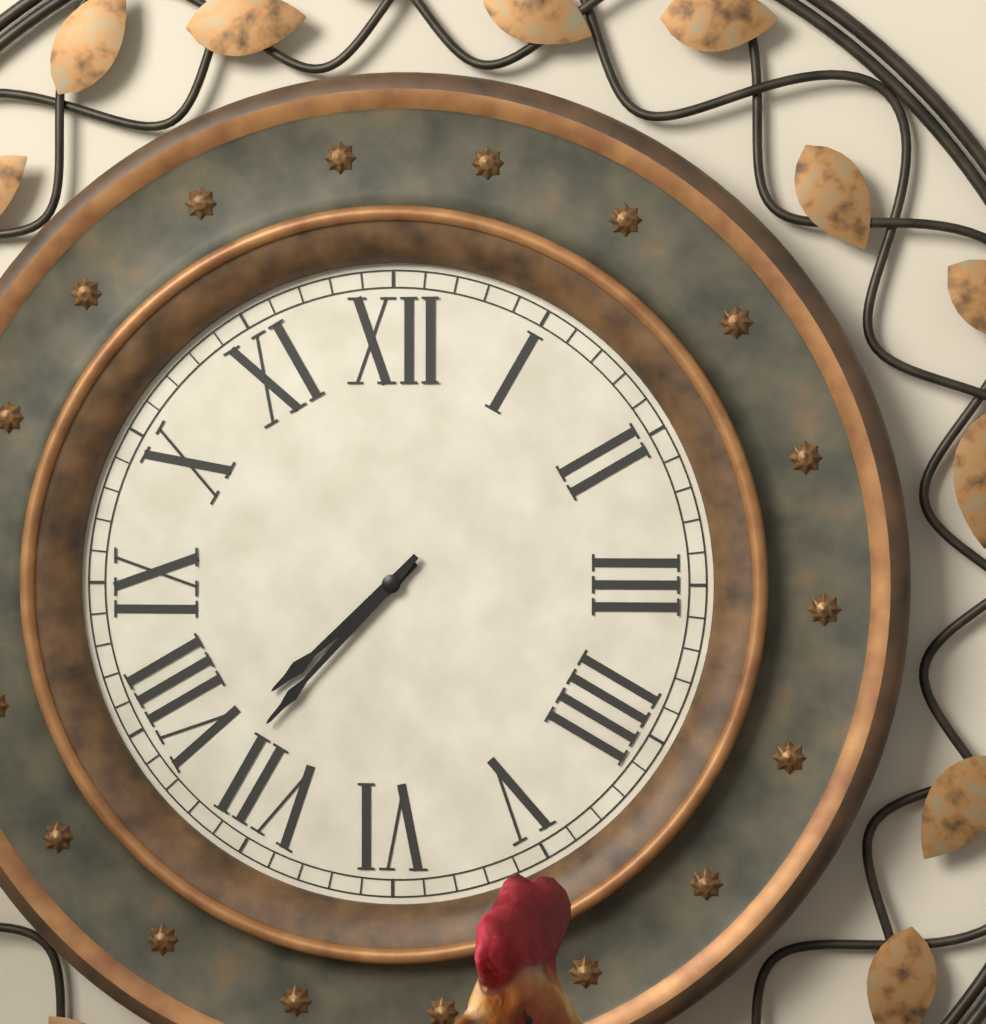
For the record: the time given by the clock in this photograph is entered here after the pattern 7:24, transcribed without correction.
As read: 7:37
